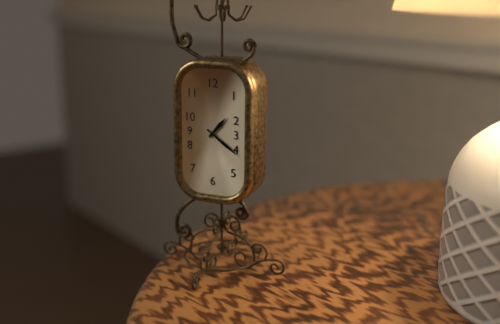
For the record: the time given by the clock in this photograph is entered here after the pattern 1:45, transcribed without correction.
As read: 1:21
